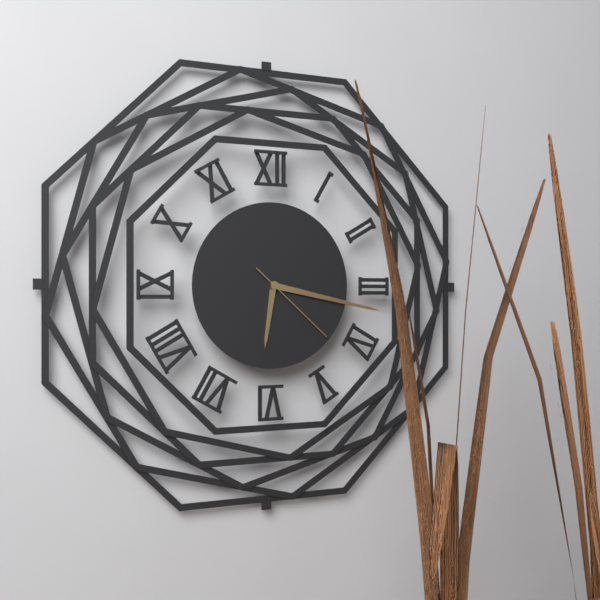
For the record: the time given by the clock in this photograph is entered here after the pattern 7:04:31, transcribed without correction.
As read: 6:17:22
